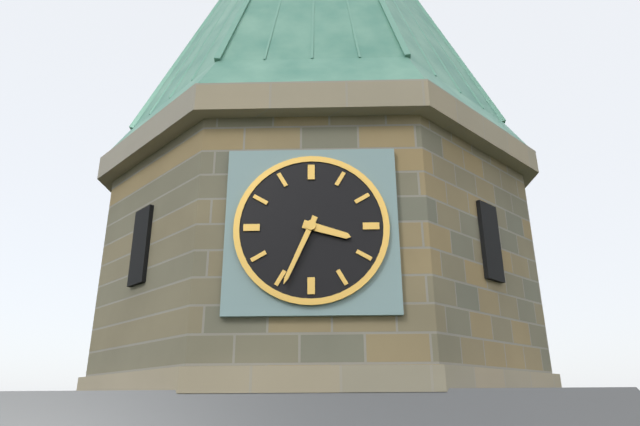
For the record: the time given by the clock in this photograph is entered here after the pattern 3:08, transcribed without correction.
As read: 3:34
